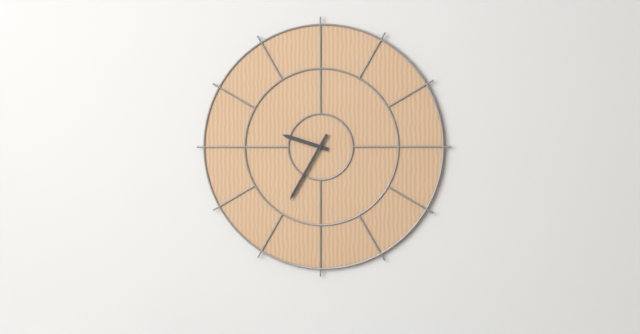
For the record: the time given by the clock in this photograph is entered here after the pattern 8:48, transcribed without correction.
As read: 9:35
